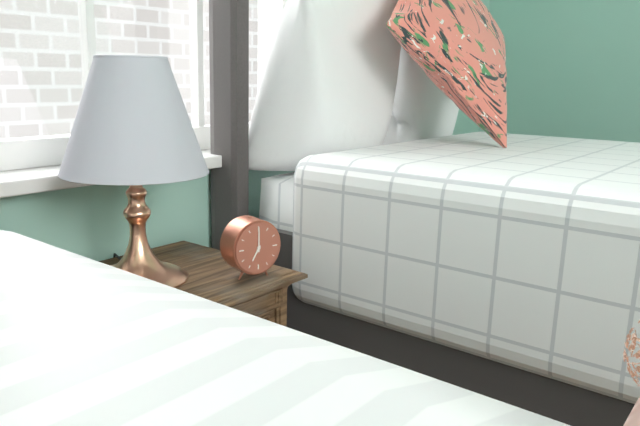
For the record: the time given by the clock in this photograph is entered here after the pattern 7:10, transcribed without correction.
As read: 7:00
